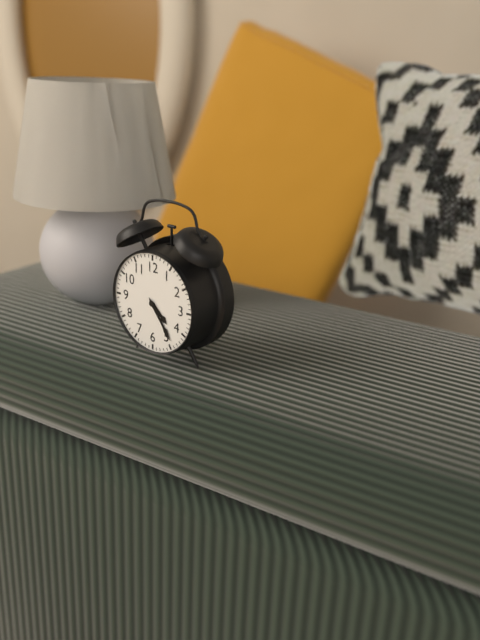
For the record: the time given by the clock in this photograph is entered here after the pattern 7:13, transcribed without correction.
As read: 4:24
